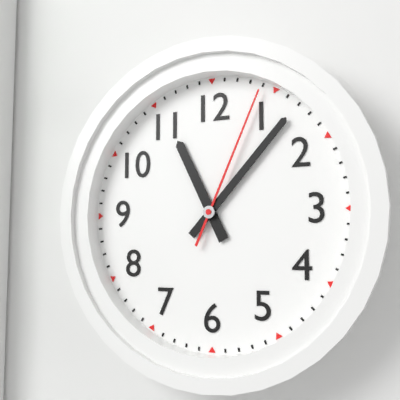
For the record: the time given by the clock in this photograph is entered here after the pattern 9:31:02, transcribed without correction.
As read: 11:07:04
